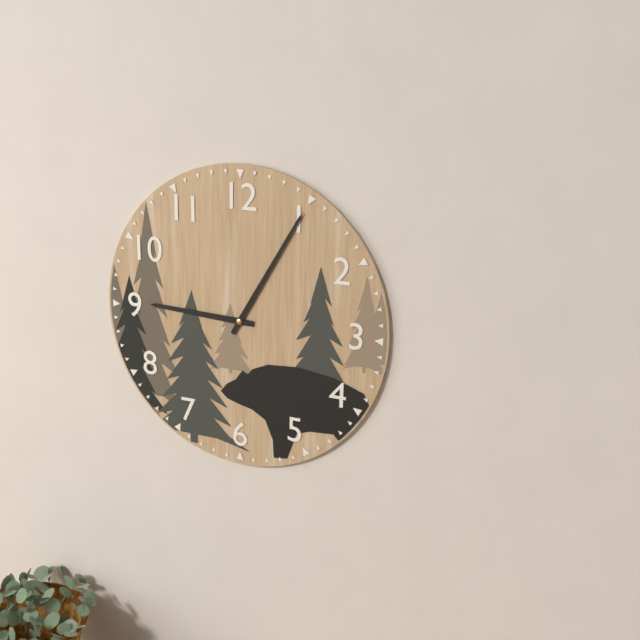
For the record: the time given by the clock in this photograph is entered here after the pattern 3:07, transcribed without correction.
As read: 9:05
